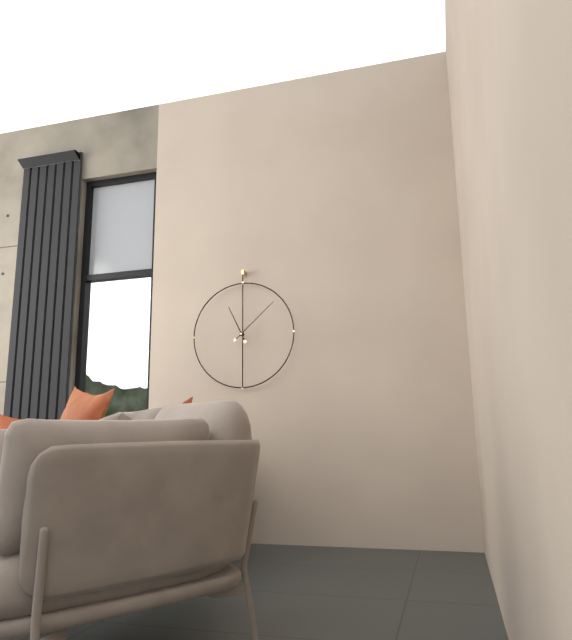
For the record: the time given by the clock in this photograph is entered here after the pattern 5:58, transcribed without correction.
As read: 11:08
